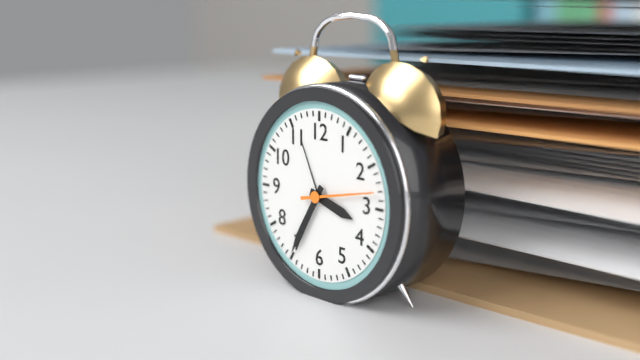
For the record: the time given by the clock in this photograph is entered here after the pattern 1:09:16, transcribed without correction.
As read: 3:35:13
